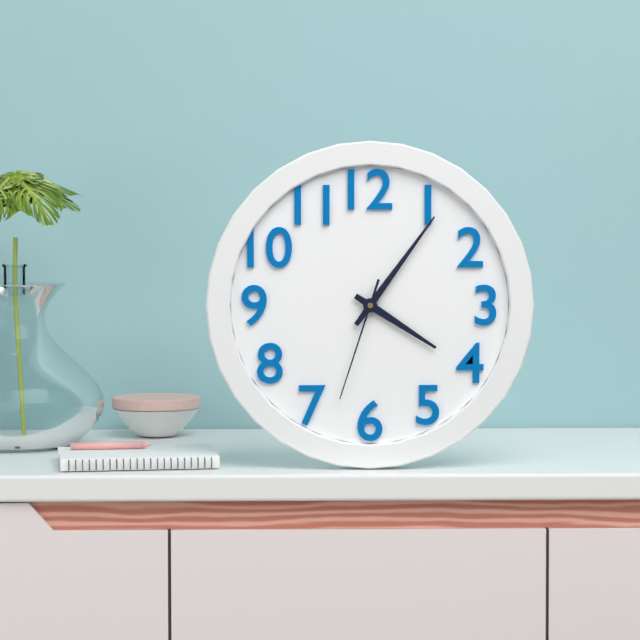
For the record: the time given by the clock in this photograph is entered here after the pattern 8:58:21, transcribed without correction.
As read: 4:06:33
